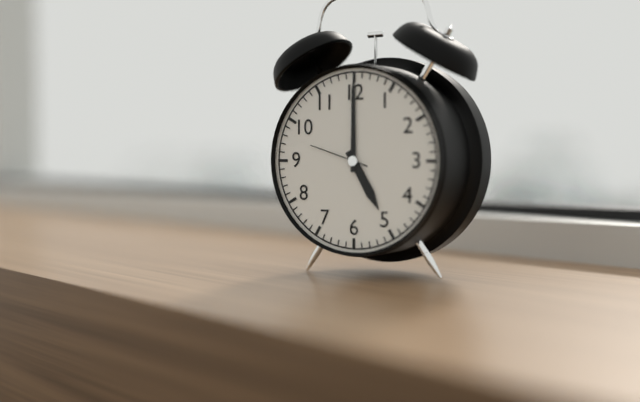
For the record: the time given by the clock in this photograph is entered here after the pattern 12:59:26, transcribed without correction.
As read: 5:00:48
